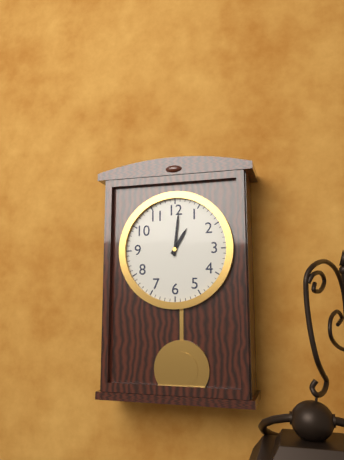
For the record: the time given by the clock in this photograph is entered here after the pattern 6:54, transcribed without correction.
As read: 1:01
